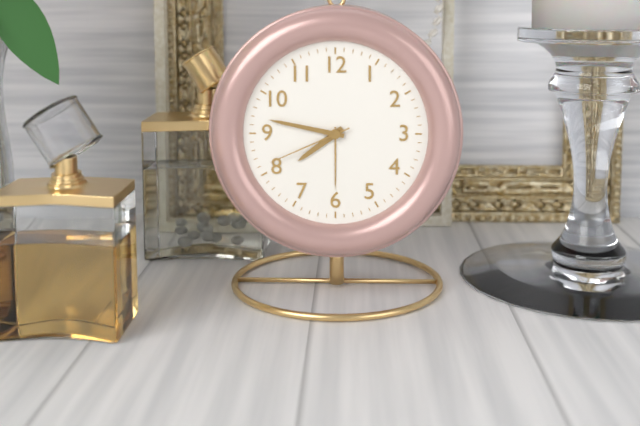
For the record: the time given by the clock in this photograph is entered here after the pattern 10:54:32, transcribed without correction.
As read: 7:47:41
